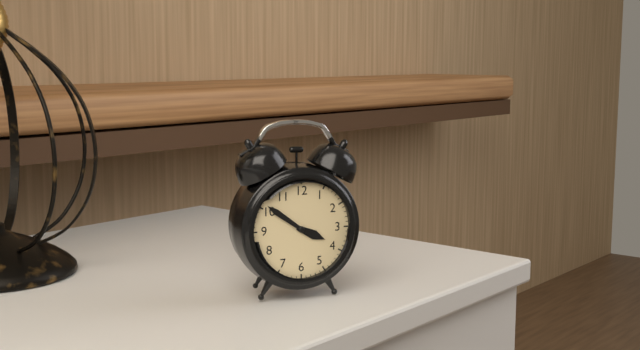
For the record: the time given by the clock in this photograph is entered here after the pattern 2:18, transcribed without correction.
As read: 3:51
